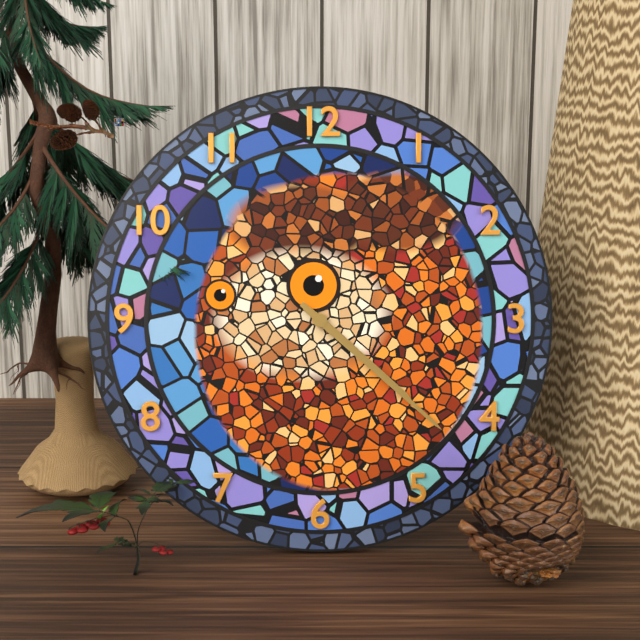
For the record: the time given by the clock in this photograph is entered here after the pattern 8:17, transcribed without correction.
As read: 4:22
